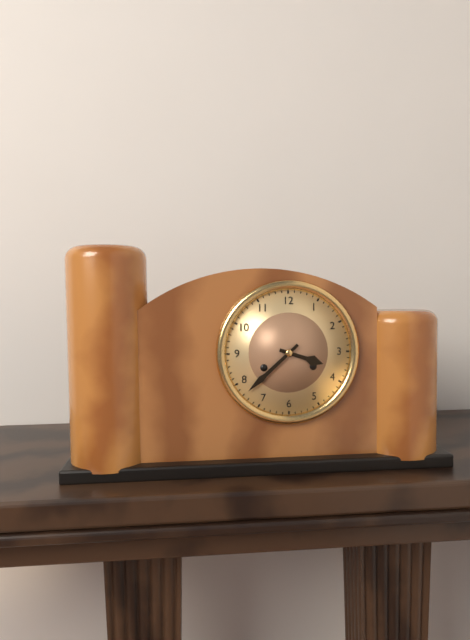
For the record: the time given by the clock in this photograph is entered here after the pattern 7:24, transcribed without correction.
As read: 3:38
